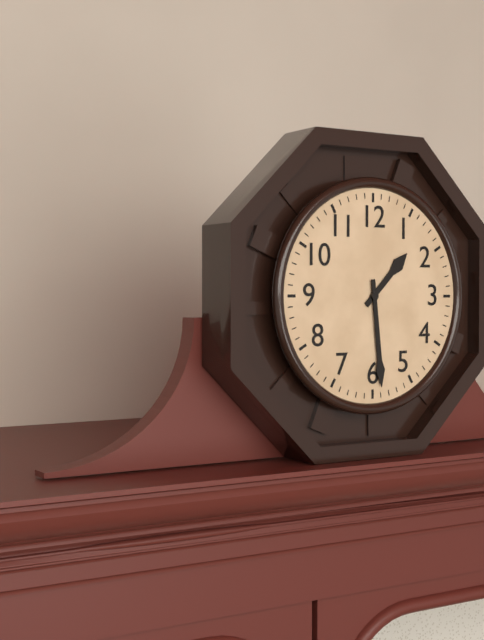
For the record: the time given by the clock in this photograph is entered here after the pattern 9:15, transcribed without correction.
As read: 1:29
